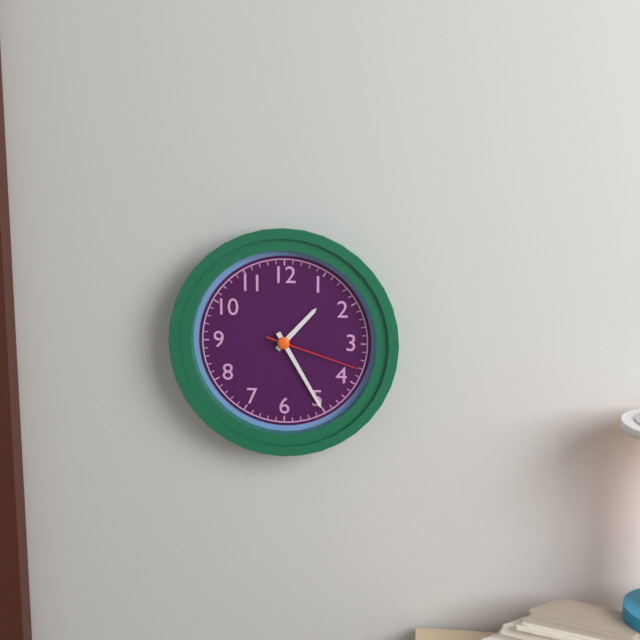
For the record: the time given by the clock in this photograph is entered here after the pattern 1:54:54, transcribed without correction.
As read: 1:25:18
